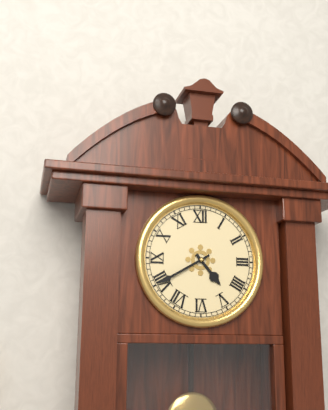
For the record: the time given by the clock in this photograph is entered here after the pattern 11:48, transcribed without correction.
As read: 4:40
